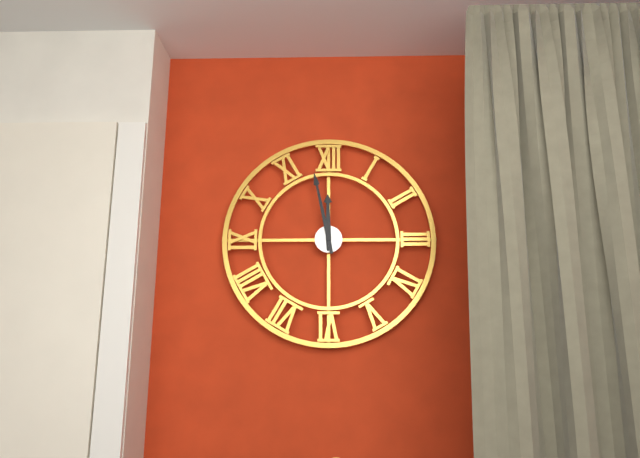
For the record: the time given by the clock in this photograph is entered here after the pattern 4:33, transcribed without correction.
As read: 11:58
